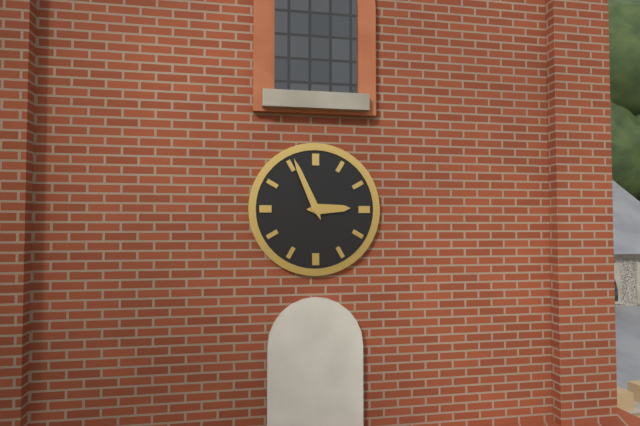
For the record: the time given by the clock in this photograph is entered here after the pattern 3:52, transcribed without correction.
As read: 2:56
